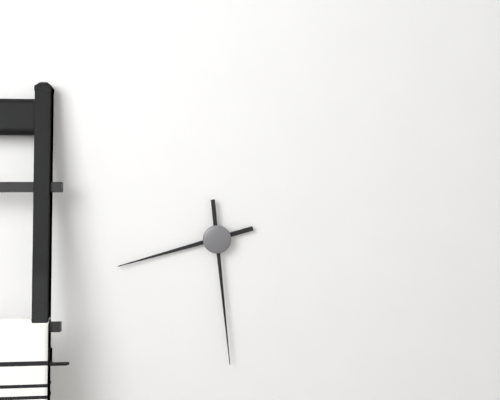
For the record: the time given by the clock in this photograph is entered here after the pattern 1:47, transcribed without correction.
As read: 8:29
